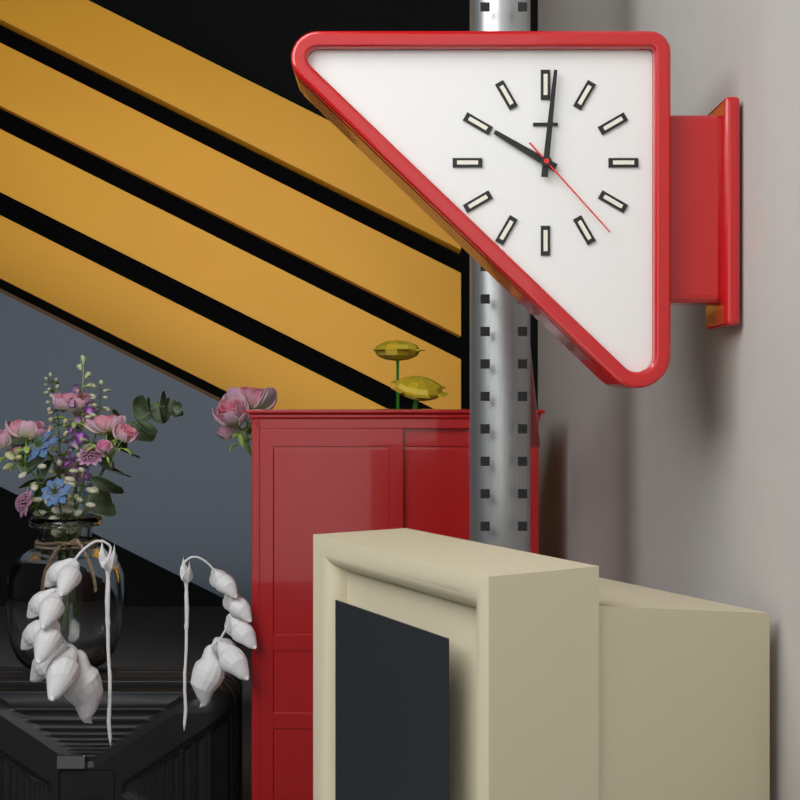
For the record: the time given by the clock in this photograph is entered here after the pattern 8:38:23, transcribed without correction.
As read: 10:01:23
